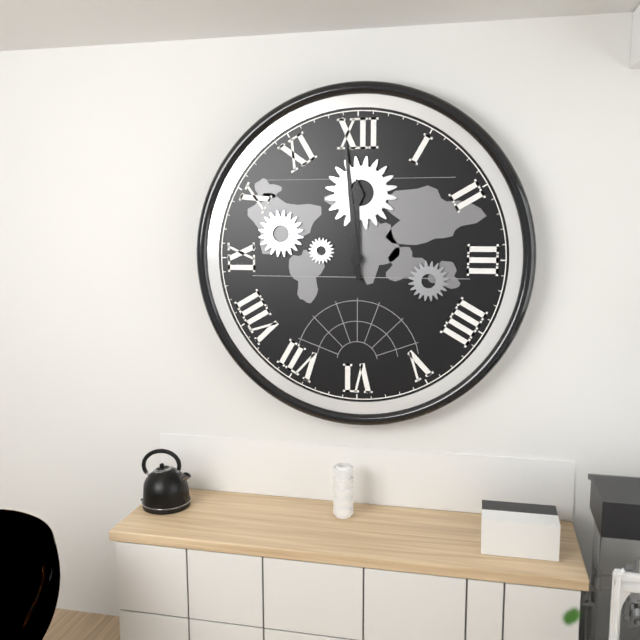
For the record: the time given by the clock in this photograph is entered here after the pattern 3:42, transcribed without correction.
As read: 11:59
